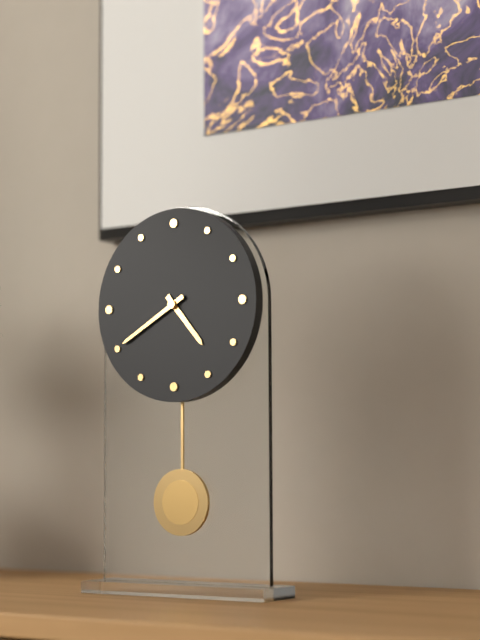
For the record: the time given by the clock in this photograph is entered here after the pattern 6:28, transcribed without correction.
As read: 4:40
